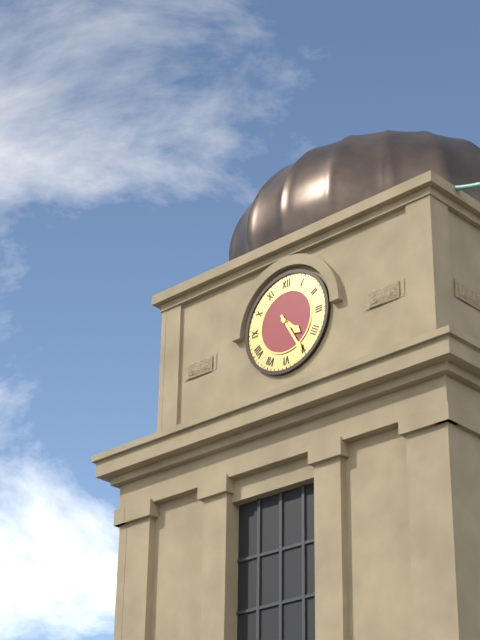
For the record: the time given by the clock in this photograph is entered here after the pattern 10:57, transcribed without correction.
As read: 4:25
